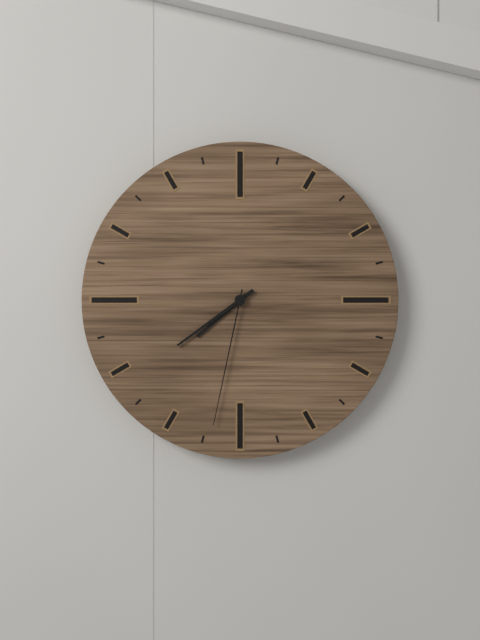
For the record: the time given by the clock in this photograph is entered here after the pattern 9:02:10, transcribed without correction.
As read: 7:39:32
